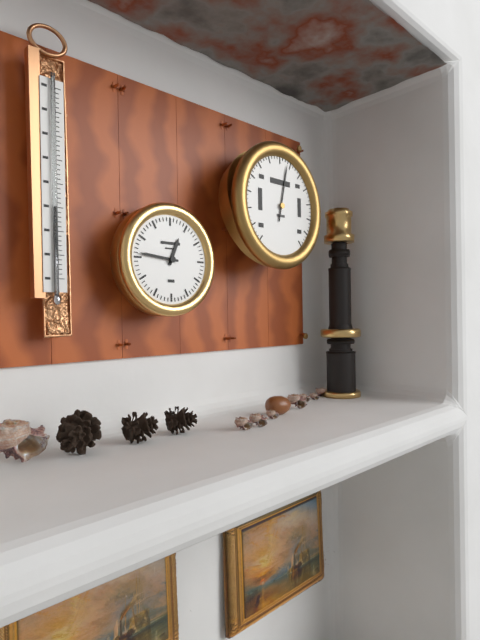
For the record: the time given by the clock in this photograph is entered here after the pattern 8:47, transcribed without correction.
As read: 12:46
